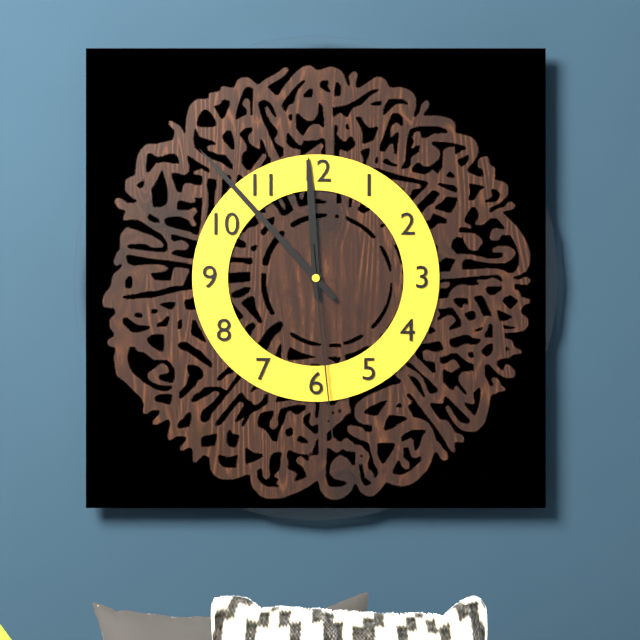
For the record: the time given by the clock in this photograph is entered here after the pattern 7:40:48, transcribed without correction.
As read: 11:53:29
